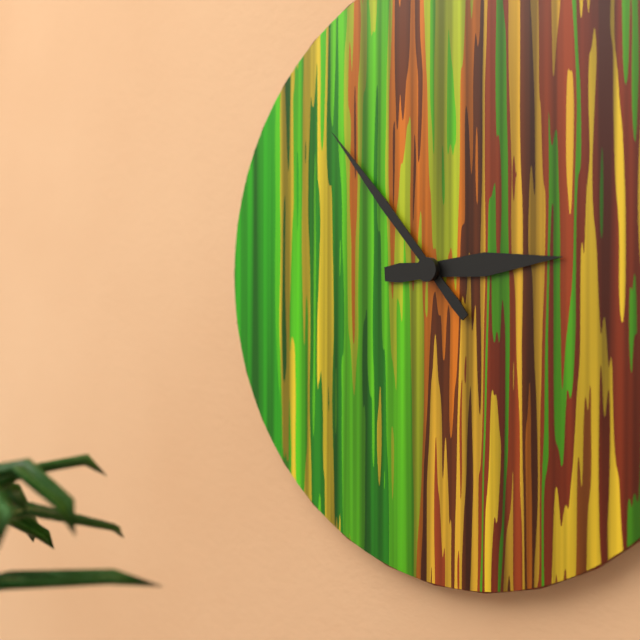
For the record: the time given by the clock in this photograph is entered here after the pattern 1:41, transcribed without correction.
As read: 2:53
